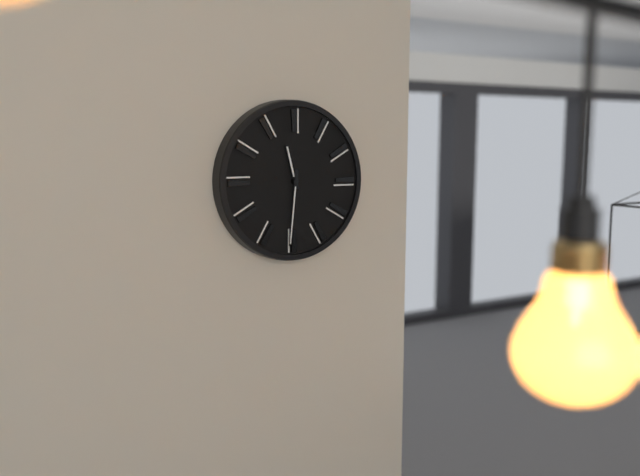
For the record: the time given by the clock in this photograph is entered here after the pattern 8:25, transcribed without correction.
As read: 11:31
